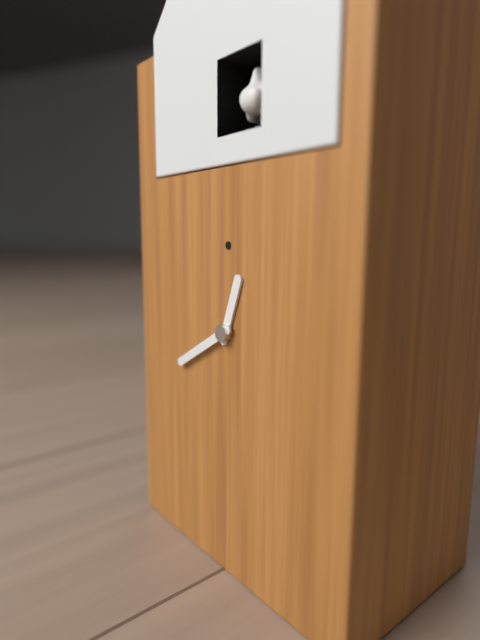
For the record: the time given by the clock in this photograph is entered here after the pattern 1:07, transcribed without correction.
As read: 12:40
